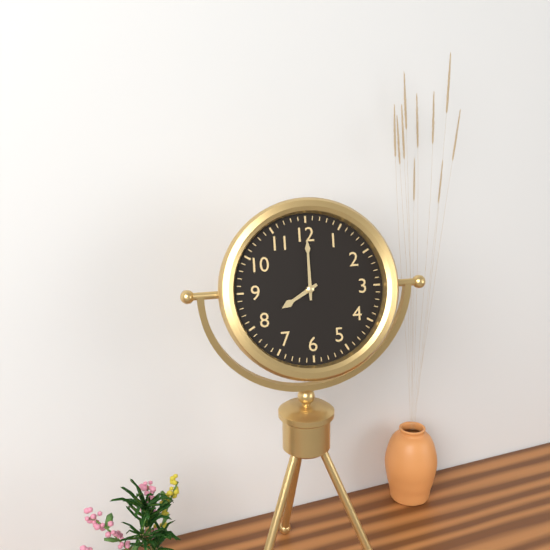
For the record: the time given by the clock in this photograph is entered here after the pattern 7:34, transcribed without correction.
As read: 8:00
